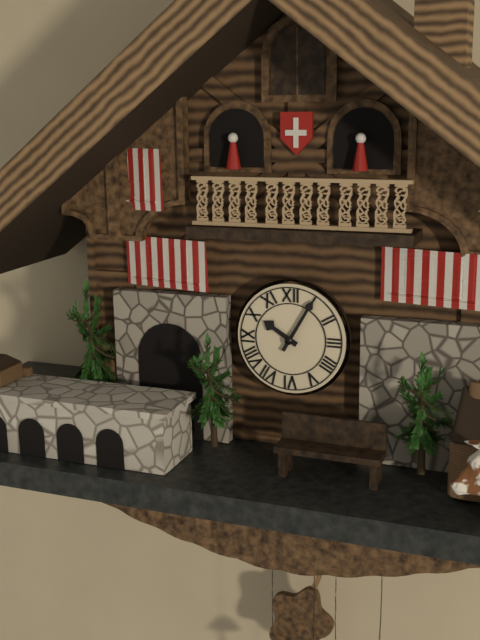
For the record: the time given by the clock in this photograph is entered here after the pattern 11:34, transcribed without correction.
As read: 10:05
